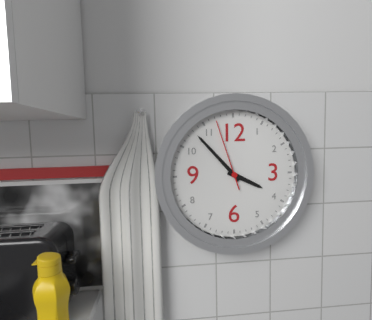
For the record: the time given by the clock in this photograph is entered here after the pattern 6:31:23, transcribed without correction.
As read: 3:53:57
